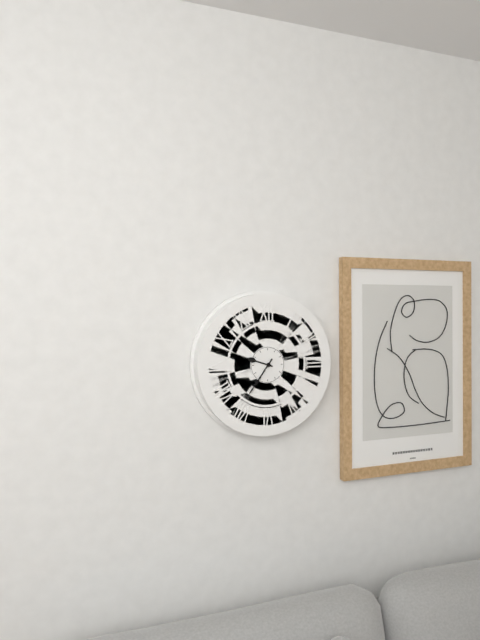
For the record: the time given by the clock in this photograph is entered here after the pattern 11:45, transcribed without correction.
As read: 9:36
